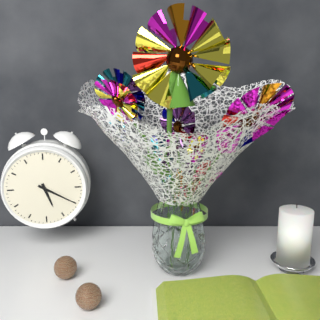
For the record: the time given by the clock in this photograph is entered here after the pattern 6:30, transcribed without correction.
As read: 5:20
